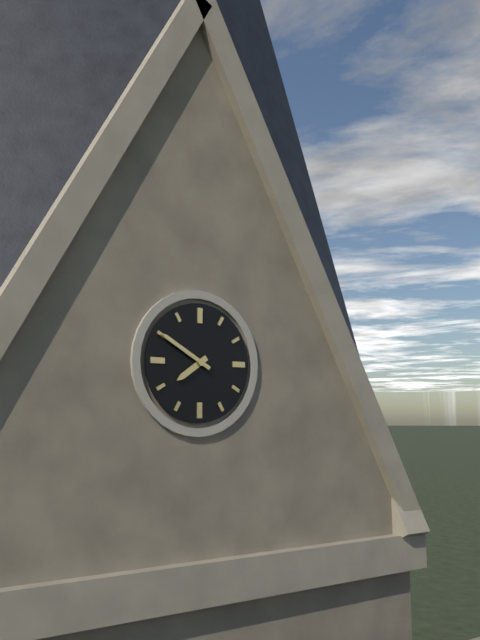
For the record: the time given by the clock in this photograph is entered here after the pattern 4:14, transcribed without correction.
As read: 7:50
